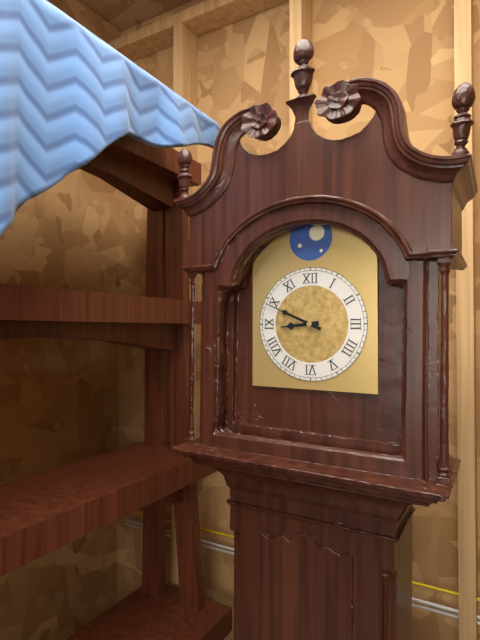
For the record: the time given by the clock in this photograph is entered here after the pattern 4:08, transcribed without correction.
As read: 8:49
